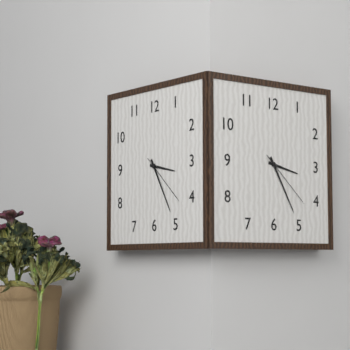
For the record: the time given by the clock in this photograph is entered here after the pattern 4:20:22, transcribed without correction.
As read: 3:25:22
